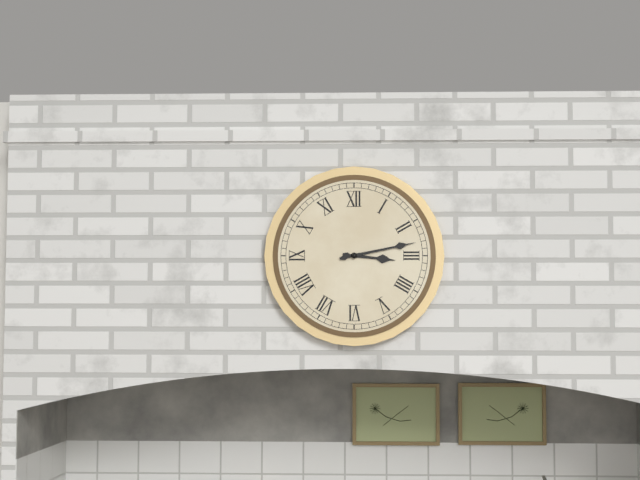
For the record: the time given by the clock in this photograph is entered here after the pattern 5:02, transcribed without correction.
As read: 3:13
